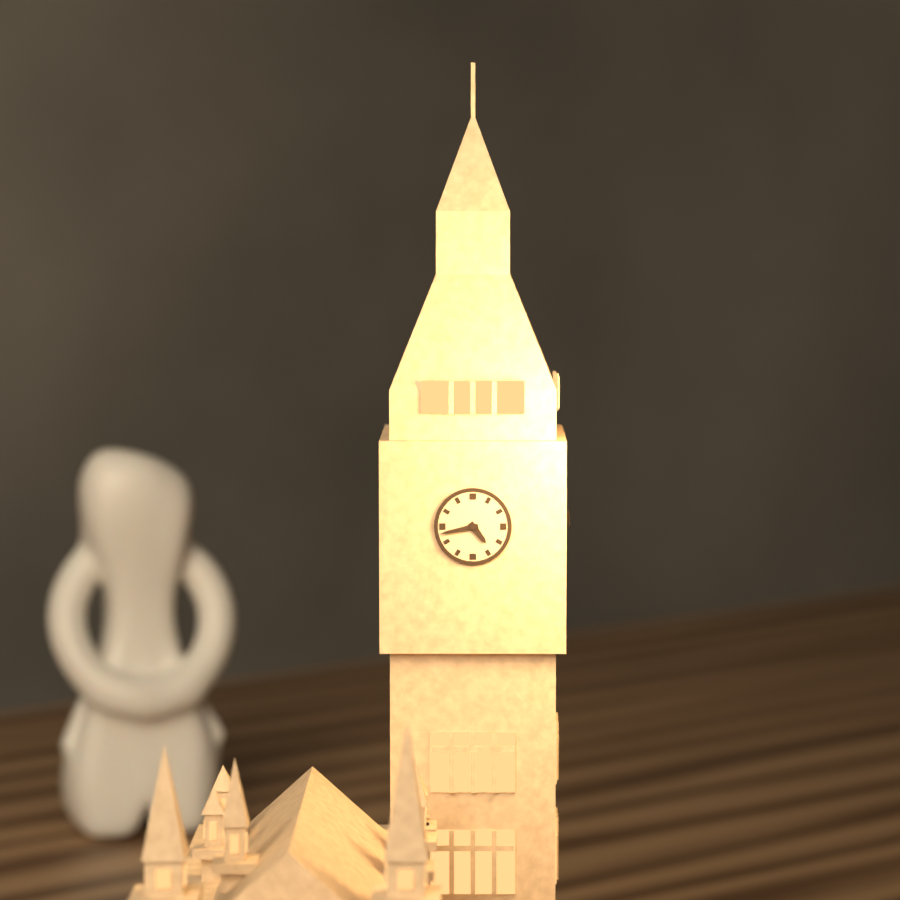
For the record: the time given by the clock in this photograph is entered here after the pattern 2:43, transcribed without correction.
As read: 4:43
